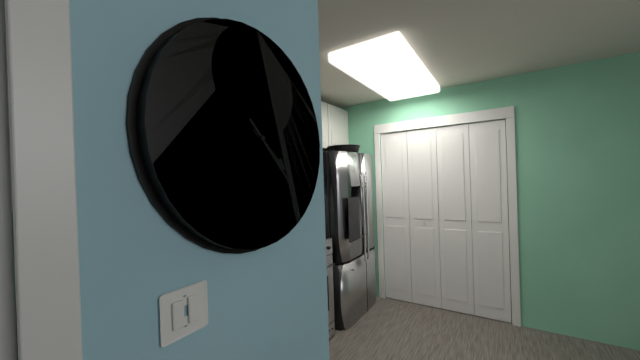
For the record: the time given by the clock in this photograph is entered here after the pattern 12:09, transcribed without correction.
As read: 4:23
